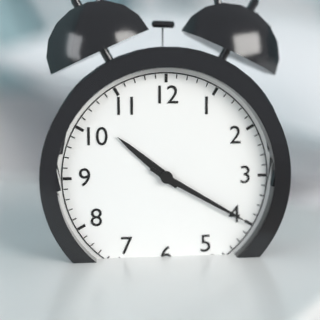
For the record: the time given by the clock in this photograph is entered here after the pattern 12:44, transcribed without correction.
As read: 10:20
